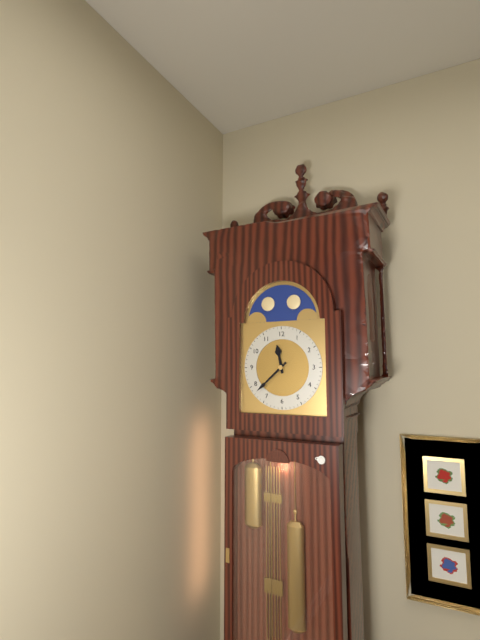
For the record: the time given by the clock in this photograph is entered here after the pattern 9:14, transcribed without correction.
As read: 11:38
